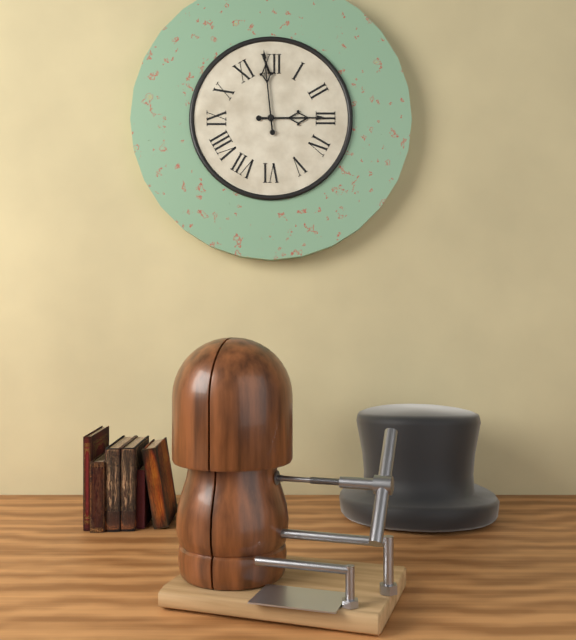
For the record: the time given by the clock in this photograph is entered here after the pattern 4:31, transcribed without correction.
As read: 2:59
